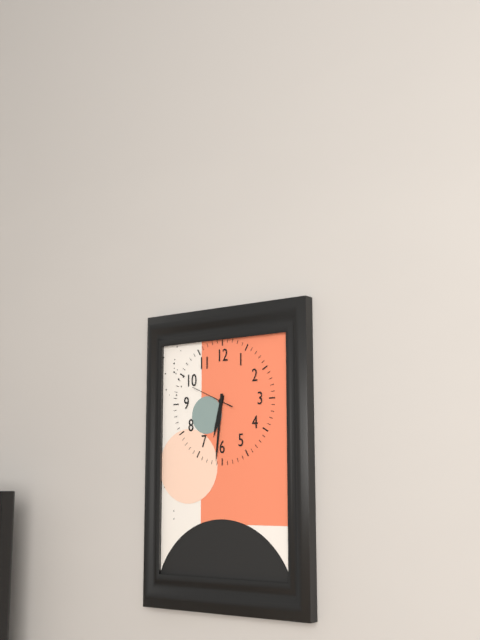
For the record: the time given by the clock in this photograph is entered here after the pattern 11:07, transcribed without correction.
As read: 6:31
